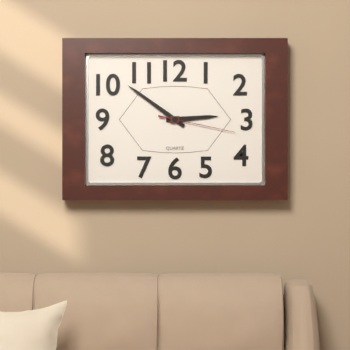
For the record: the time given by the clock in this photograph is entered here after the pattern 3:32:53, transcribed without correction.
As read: 2:51:17
